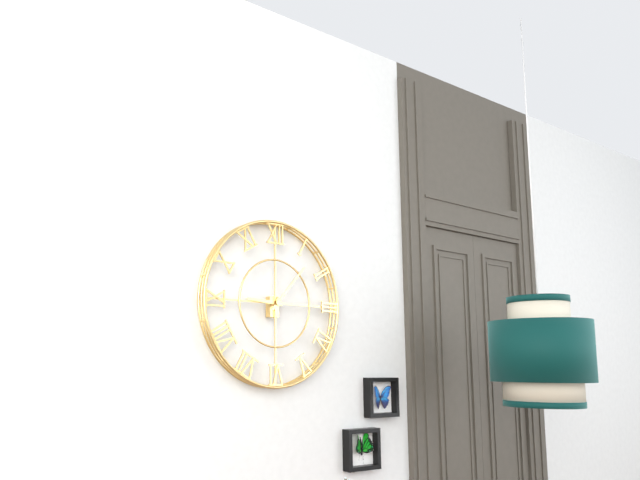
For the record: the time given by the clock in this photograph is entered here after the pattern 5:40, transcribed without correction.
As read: 9:07
